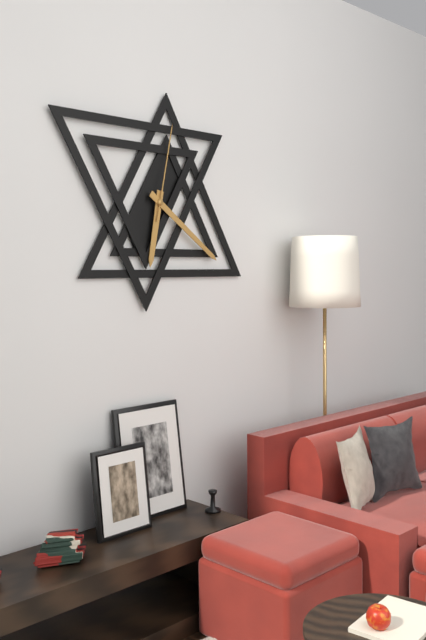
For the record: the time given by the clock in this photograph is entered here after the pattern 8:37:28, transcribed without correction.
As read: 6:21:02
